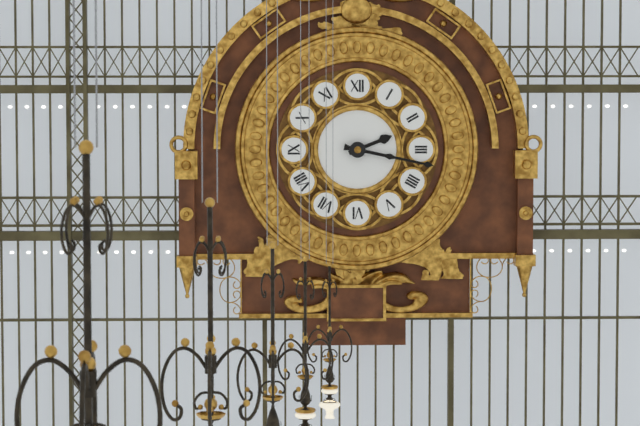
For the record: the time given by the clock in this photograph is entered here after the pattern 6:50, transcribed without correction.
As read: 2:17
